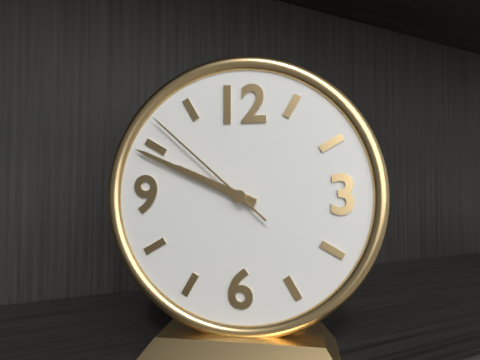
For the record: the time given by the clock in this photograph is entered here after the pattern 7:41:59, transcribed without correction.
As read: 9:49:52
